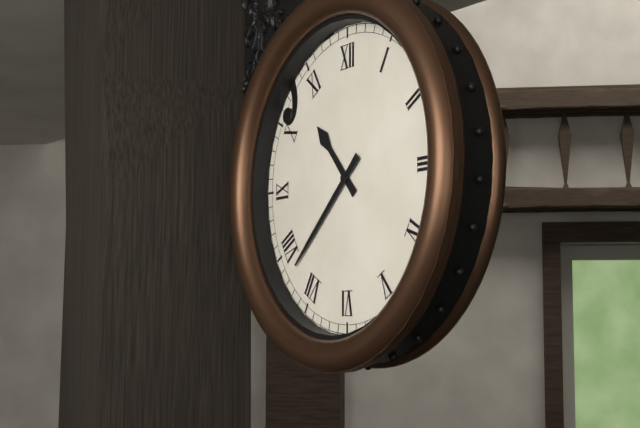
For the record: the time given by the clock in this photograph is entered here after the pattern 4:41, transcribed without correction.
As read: 10:38
